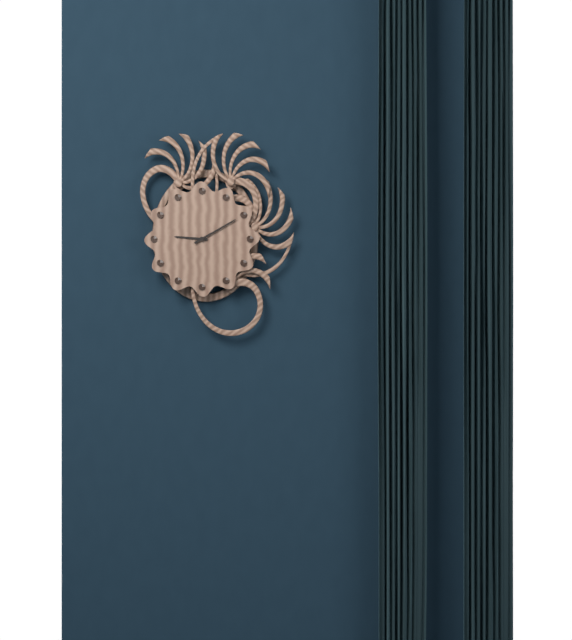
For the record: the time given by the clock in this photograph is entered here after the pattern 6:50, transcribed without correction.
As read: 9:10
